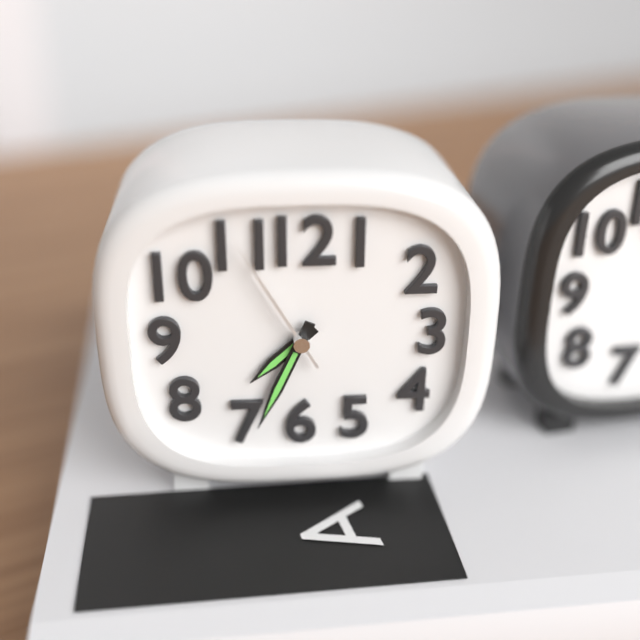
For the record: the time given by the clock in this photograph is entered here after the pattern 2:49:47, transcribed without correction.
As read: 7:34:55
